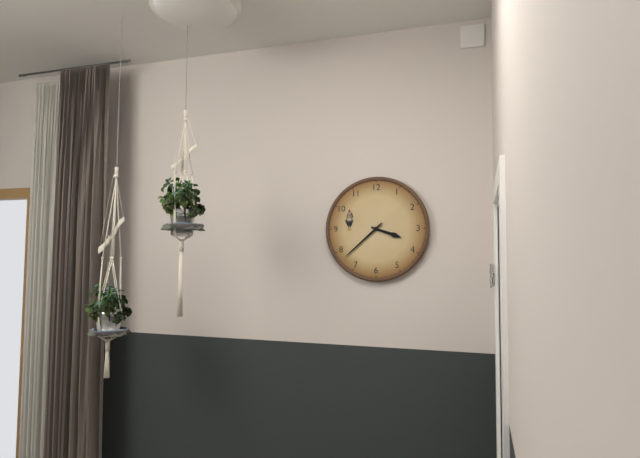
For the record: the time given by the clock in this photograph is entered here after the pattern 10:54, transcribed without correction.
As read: 3:38
